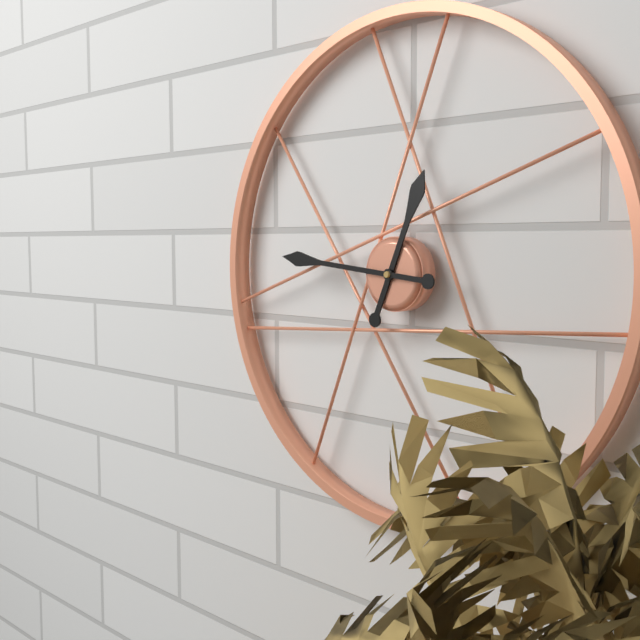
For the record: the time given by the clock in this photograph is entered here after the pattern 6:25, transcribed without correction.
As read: 12:46
